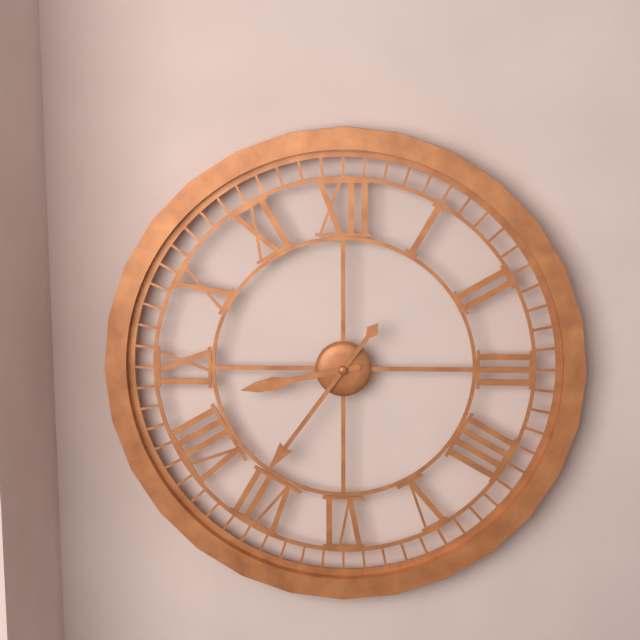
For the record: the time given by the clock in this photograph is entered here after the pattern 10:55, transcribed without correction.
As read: 8:36
